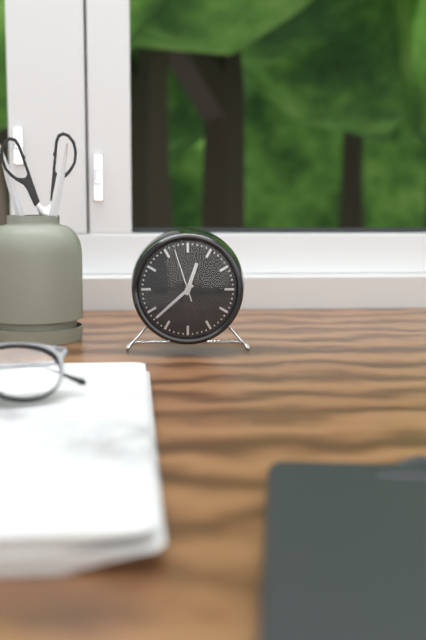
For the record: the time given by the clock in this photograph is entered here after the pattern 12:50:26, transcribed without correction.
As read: 12:38:57
